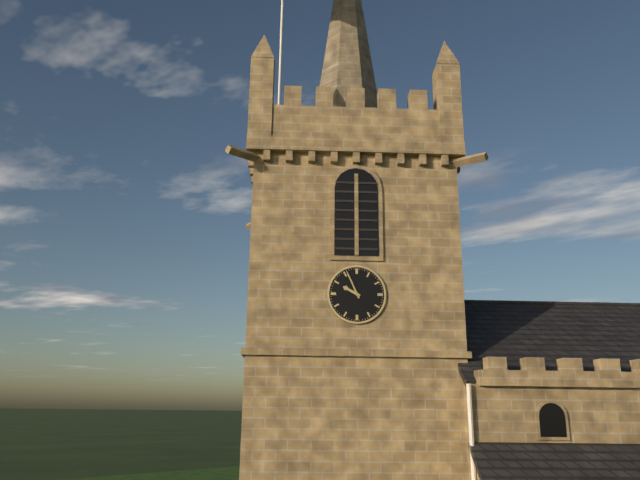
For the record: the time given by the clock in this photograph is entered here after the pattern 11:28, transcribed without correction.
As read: 9:56
